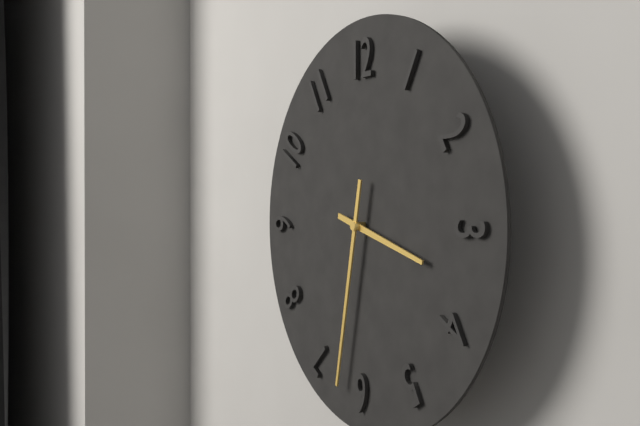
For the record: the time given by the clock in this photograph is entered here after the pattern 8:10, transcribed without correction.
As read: 3:32
